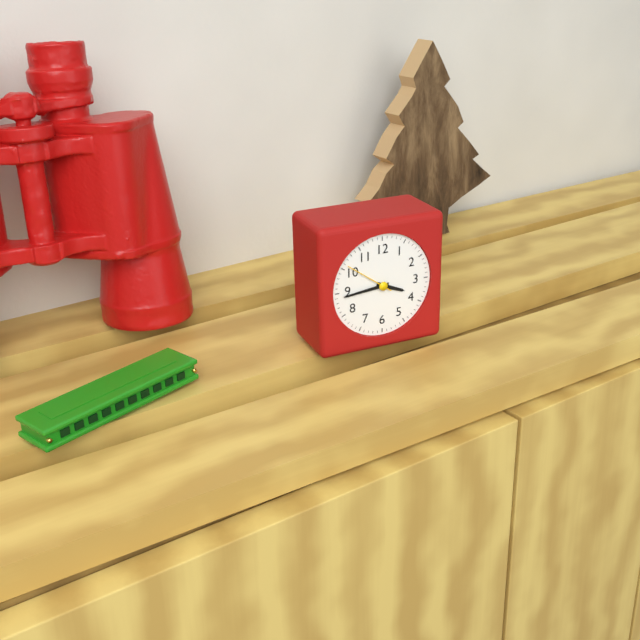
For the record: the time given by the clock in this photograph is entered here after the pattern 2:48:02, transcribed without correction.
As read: 3:44:51
